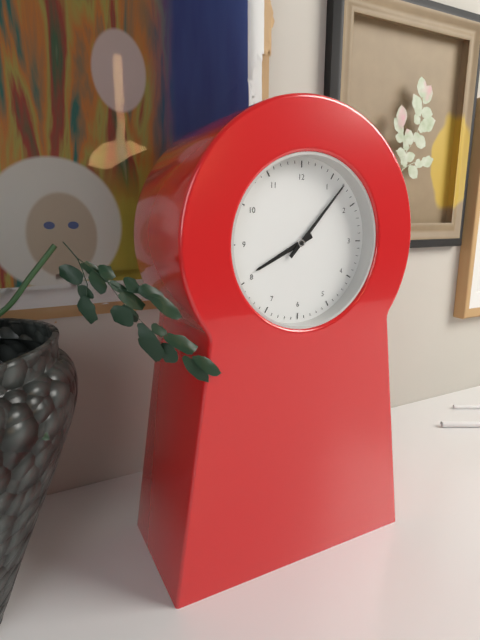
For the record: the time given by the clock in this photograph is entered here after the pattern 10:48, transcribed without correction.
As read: 8:07
